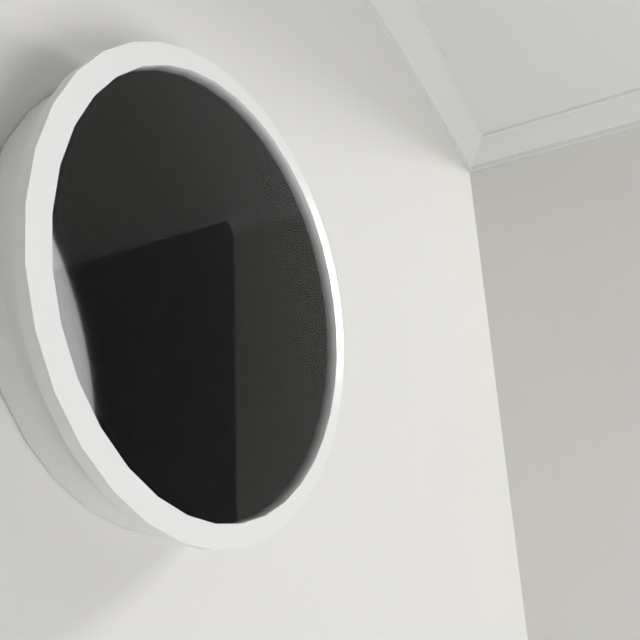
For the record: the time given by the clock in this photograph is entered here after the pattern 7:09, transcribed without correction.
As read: 11:02
